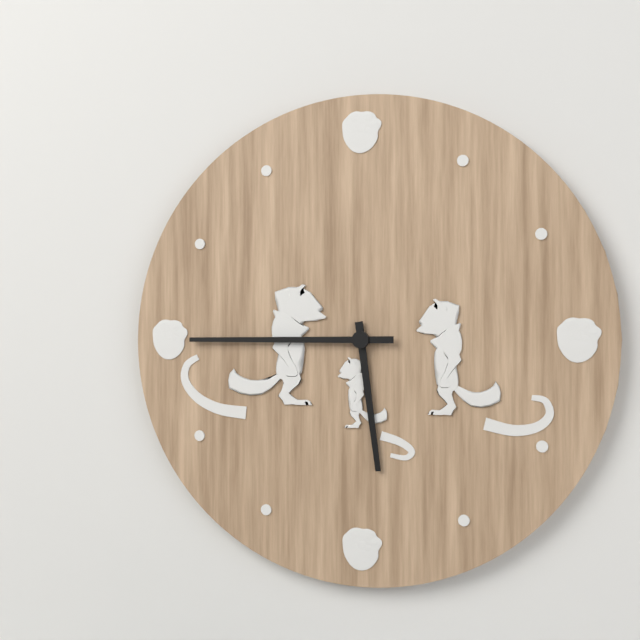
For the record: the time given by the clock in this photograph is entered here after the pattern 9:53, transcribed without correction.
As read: 5:45
